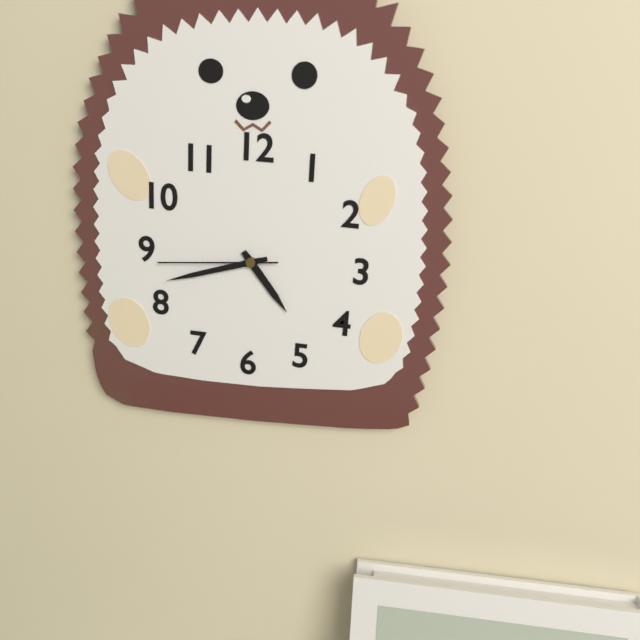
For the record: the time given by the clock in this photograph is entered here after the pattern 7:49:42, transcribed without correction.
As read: 4:42:44
